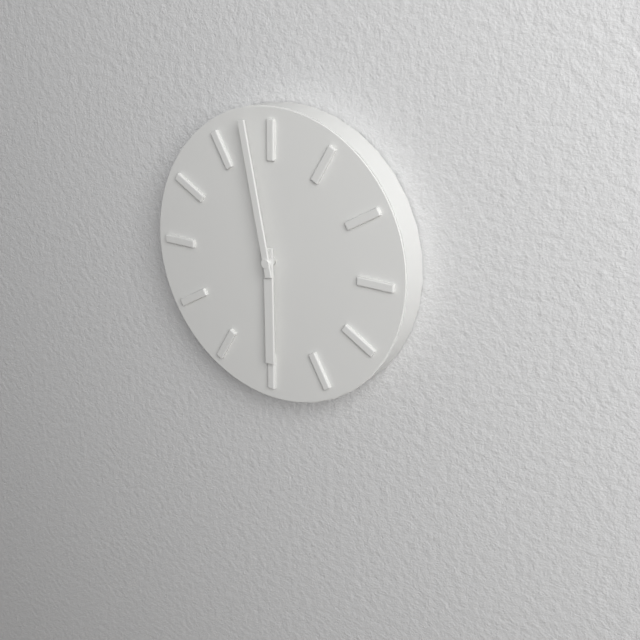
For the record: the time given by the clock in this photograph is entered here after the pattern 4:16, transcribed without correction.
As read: 5:58
